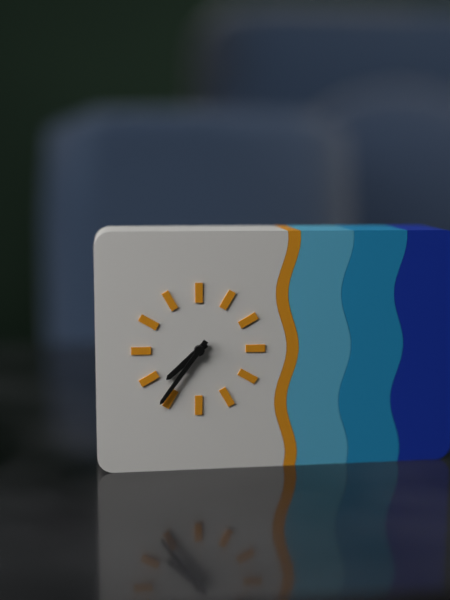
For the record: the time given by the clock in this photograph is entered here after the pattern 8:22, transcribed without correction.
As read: 7:36
